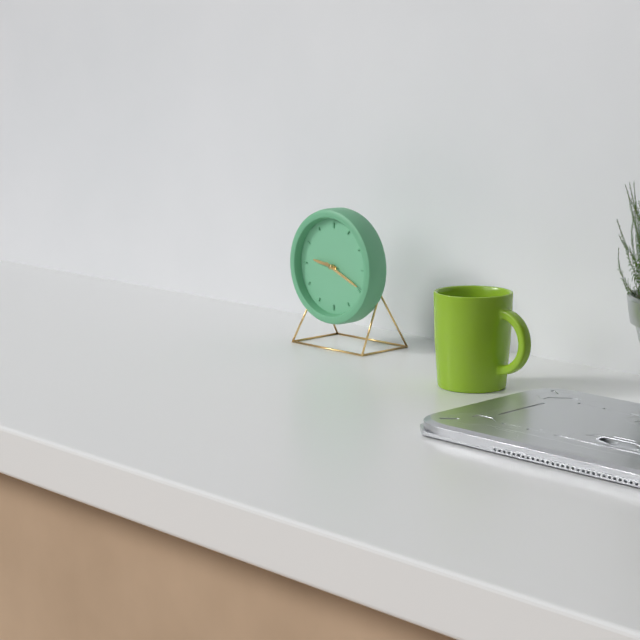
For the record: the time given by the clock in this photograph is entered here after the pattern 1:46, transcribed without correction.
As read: 9:19
